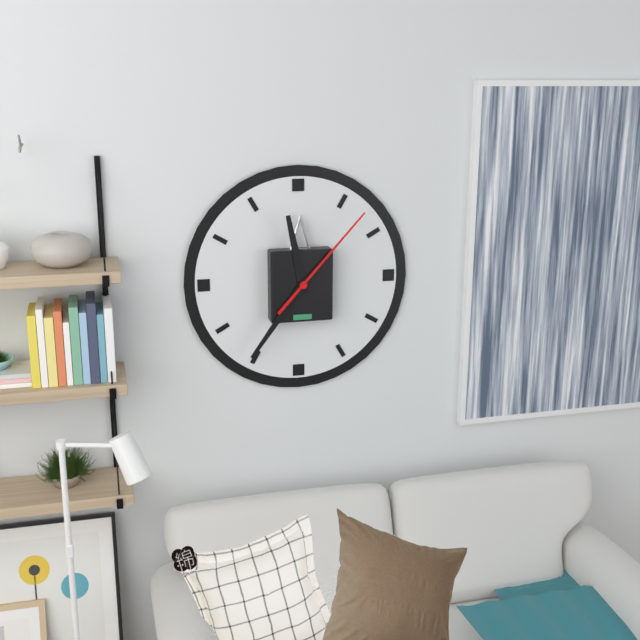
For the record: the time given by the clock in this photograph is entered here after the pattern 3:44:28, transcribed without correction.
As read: 11:36:07
